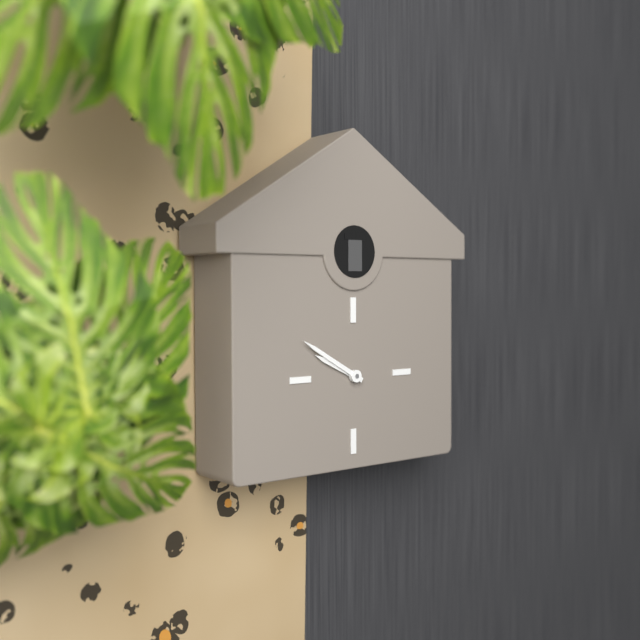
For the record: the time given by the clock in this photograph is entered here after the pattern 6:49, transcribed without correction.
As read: 9:50
